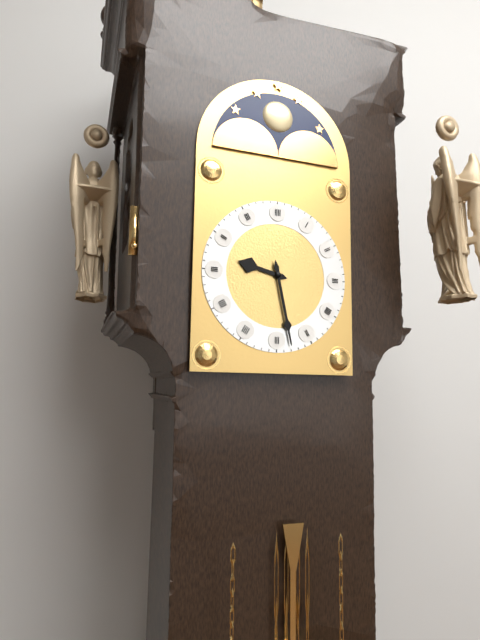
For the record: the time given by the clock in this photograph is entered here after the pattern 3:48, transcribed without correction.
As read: 9:28
